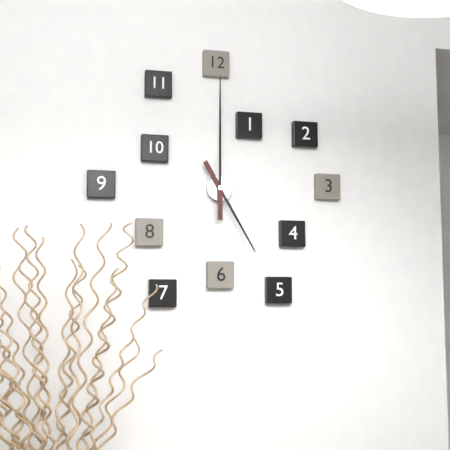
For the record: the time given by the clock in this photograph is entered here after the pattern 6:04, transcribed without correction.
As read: 5:00
